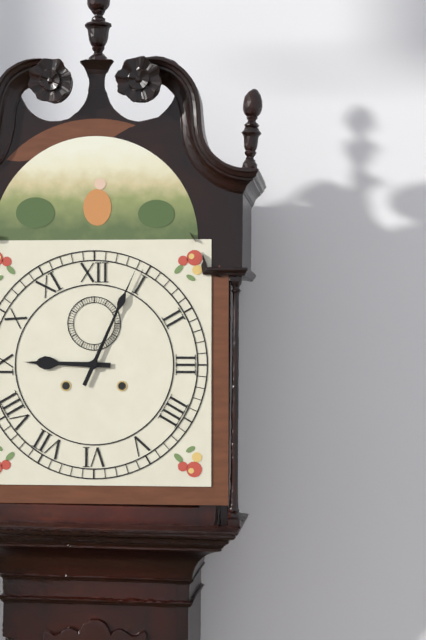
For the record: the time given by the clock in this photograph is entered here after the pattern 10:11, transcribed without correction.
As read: 9:04
